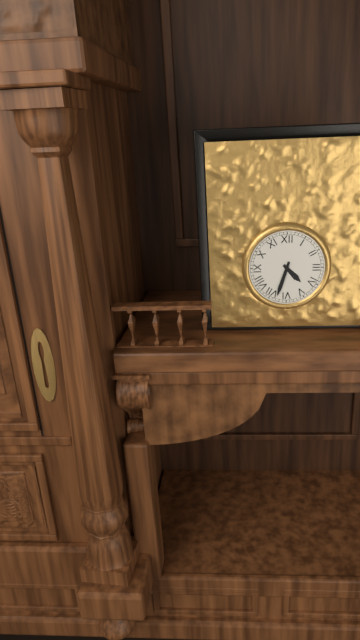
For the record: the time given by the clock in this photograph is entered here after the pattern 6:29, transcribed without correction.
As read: 4:33
